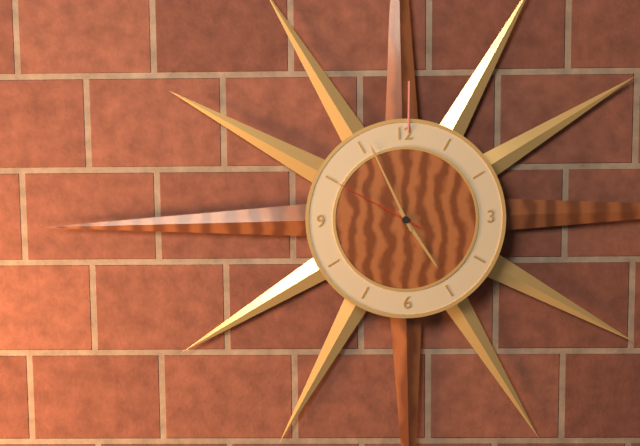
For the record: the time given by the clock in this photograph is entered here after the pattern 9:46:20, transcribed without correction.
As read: 4:56:50
